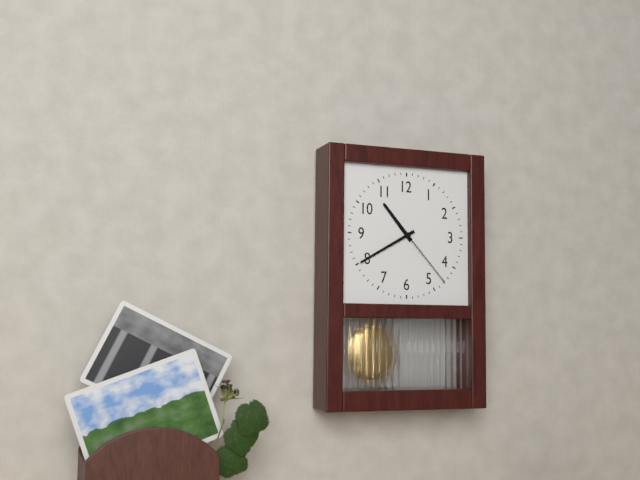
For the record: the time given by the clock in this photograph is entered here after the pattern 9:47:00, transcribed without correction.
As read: 10:40:23
